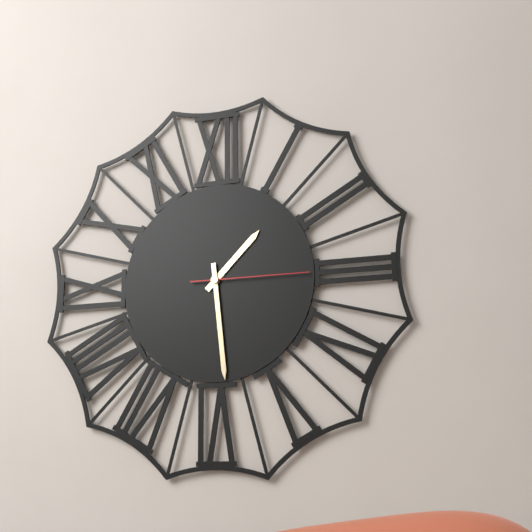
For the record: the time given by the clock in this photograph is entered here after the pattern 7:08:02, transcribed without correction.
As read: 1:29:15
